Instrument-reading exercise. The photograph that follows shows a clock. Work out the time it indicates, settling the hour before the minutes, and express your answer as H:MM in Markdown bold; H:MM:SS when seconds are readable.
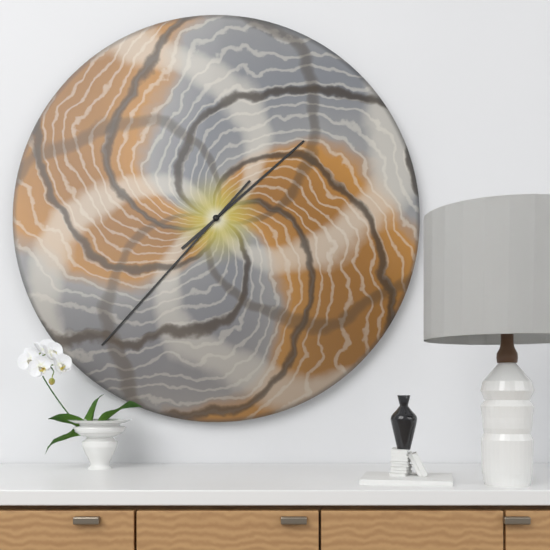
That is **1:37**
